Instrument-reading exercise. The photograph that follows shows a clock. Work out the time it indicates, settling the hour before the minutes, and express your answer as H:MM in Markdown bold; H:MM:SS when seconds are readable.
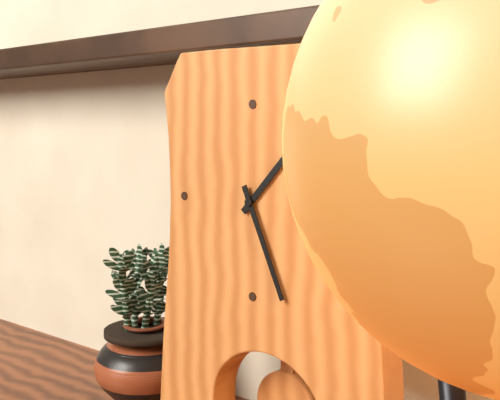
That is **1:26**
